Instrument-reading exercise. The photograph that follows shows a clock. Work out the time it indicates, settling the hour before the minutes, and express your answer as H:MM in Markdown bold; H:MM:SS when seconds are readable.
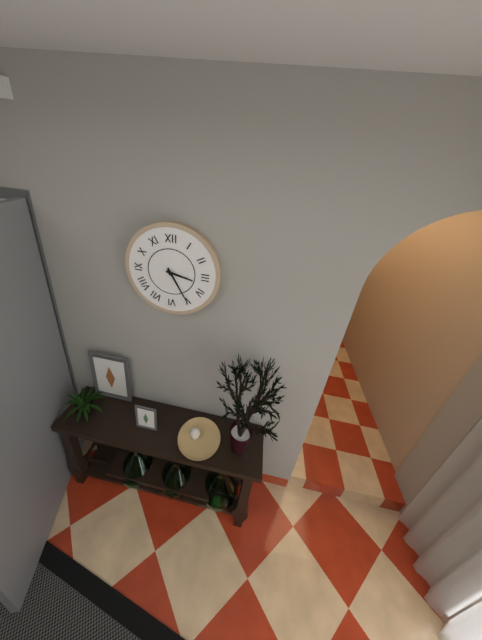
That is **3:25**
